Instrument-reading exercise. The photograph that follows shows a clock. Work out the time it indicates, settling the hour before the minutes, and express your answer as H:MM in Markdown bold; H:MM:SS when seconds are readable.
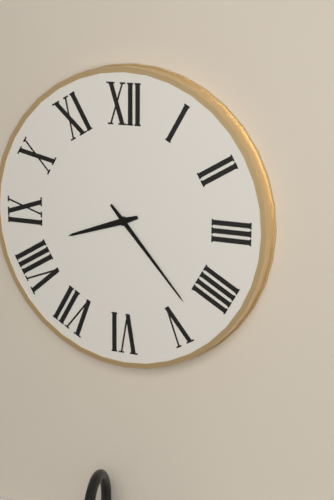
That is **8:23**
